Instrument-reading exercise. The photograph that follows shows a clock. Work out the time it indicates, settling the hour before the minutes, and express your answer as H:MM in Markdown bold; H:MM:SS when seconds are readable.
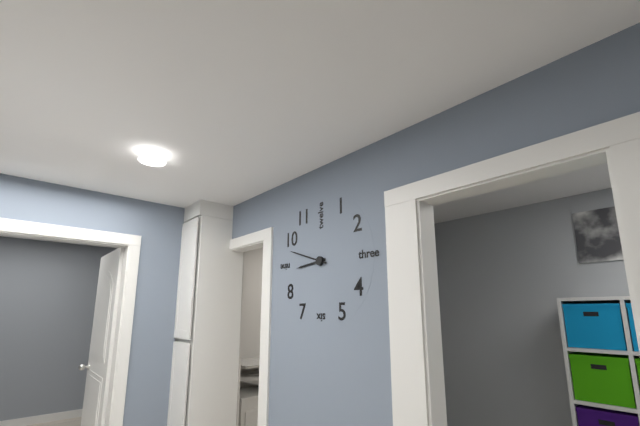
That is **8:48**
